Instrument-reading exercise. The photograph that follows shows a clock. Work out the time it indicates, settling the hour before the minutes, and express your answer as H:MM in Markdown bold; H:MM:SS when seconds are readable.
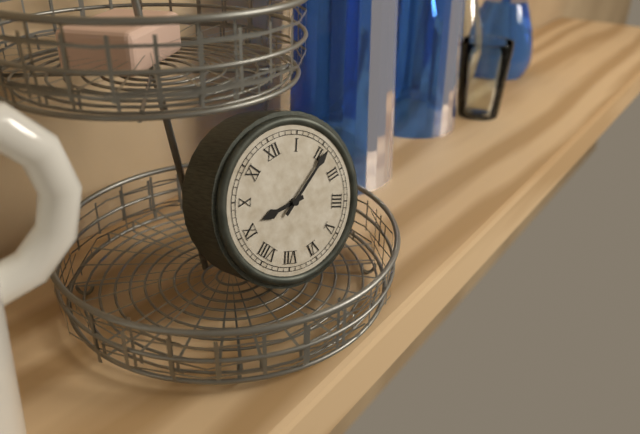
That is **9:11**
